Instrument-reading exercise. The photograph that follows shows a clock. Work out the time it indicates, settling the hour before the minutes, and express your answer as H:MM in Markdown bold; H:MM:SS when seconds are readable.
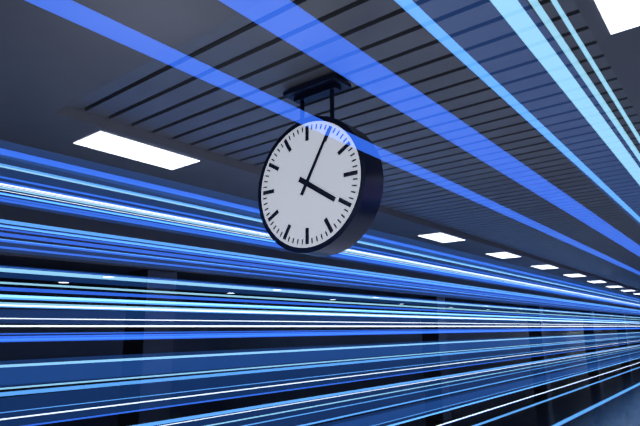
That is **4:05**
